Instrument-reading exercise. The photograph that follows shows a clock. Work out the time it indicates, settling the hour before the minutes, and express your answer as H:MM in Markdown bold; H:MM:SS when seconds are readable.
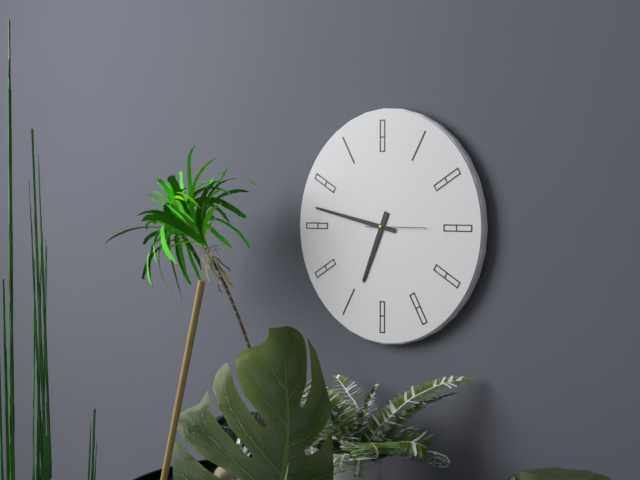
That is **6:47**
